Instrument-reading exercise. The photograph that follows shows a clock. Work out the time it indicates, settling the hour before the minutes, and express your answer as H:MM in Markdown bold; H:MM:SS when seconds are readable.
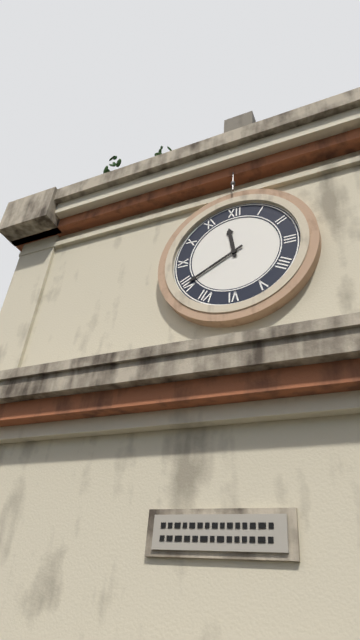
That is **11:40**
